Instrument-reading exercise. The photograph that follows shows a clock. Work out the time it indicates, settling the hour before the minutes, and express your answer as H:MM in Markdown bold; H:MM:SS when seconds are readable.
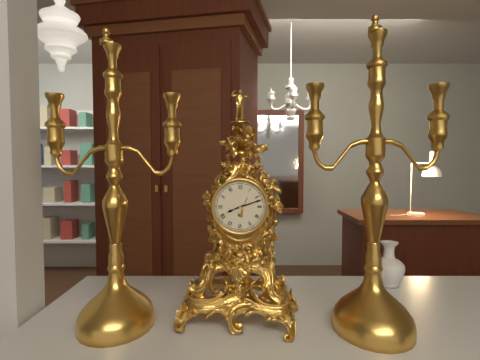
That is **8:12**
